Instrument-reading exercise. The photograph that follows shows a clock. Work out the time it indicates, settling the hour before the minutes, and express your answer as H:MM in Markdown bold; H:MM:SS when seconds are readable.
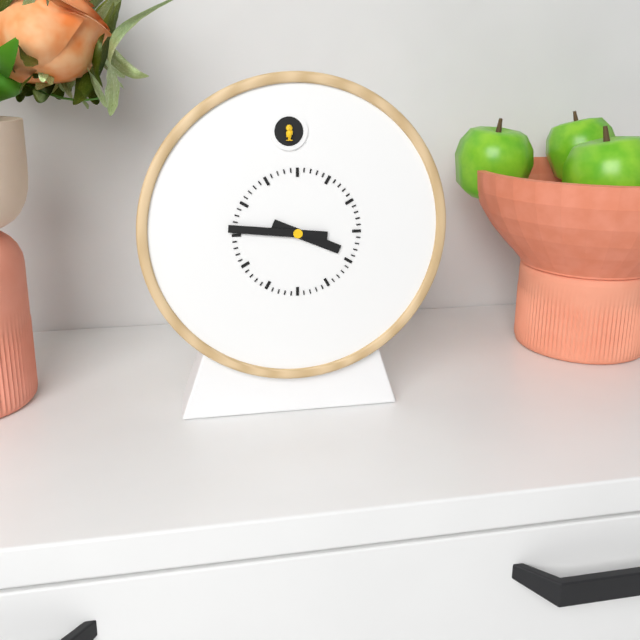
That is **3:46**
